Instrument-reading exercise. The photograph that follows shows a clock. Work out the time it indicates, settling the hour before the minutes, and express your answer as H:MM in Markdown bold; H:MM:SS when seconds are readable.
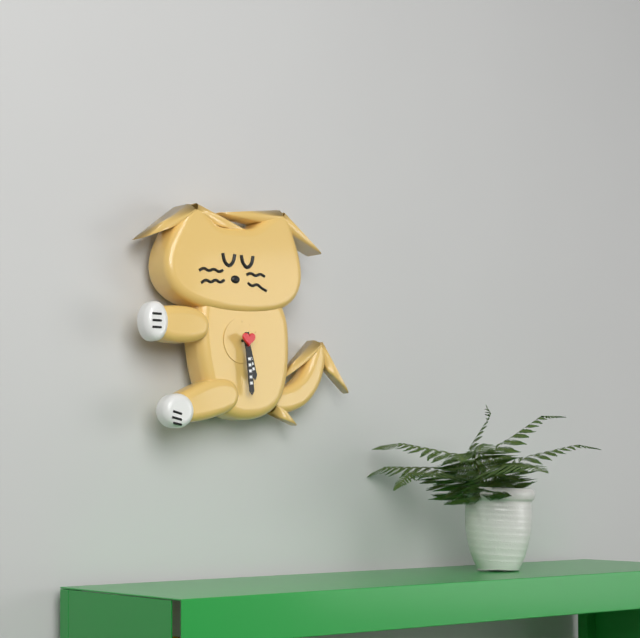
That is **5:29**
